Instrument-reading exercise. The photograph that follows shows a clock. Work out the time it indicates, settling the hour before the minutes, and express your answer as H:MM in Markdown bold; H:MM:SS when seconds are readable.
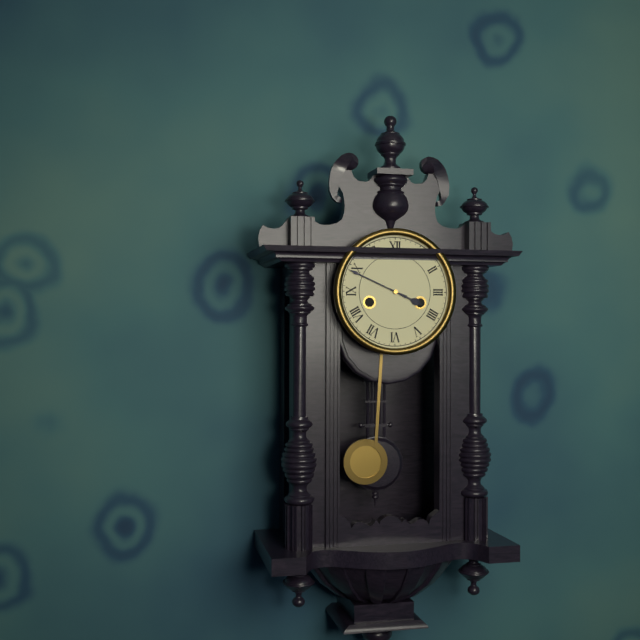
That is **3:49**
